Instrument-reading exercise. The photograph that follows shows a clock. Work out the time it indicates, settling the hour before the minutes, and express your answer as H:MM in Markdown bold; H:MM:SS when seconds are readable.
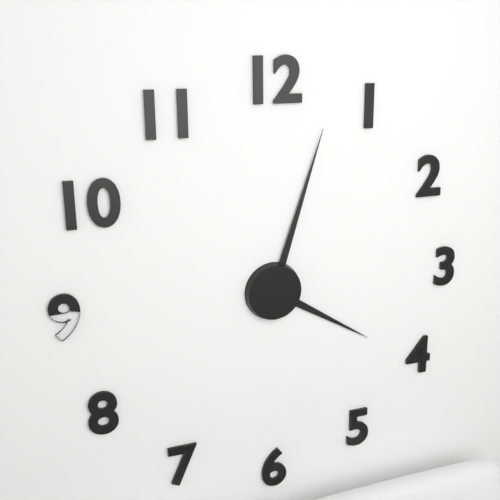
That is **4:03**
